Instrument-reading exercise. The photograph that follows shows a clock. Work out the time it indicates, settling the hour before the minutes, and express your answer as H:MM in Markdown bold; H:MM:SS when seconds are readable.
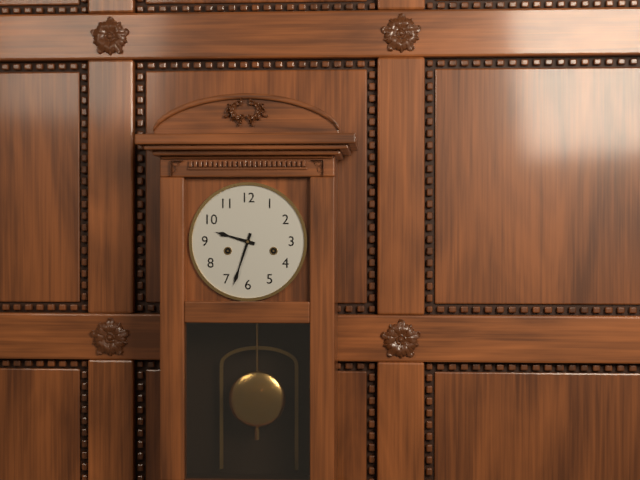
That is **9:33**
